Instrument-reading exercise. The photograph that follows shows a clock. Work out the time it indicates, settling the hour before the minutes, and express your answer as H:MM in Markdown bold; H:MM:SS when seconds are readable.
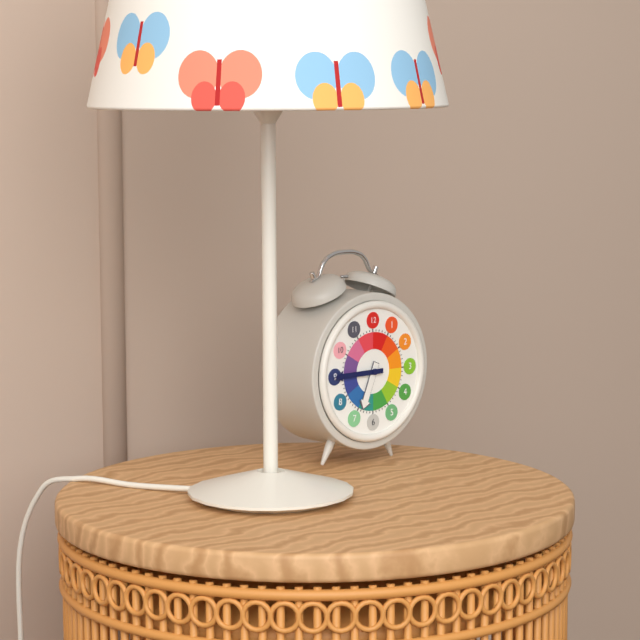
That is **6:45**
